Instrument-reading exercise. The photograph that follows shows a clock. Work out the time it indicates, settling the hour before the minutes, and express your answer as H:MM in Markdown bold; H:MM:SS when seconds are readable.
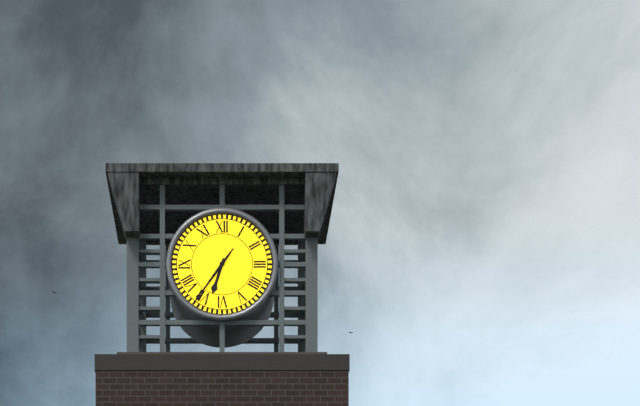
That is **6:36**
